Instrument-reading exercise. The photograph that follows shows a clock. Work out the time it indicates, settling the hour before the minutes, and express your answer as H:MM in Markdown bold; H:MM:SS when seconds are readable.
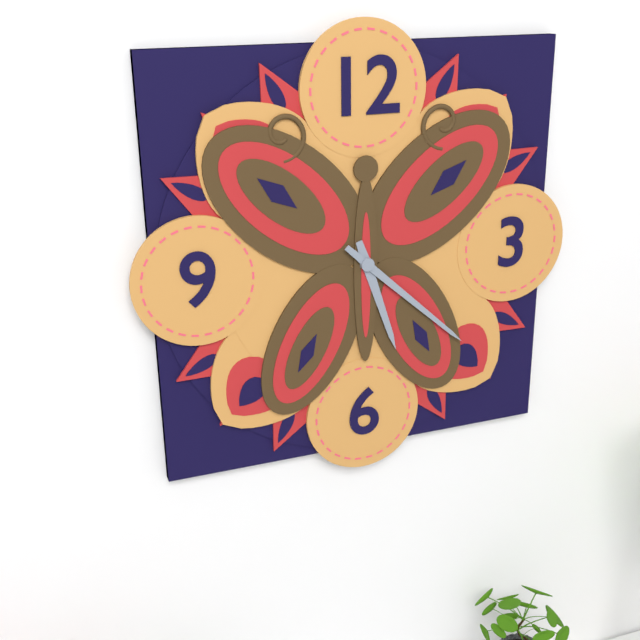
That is **5:22**
